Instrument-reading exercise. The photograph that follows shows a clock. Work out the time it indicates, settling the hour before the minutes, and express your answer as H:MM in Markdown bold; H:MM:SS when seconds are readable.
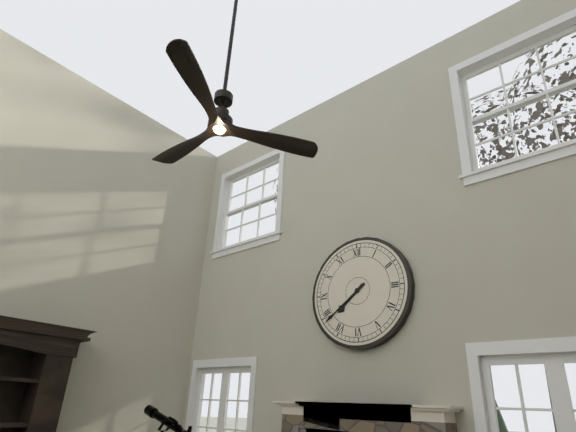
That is **7:39**
